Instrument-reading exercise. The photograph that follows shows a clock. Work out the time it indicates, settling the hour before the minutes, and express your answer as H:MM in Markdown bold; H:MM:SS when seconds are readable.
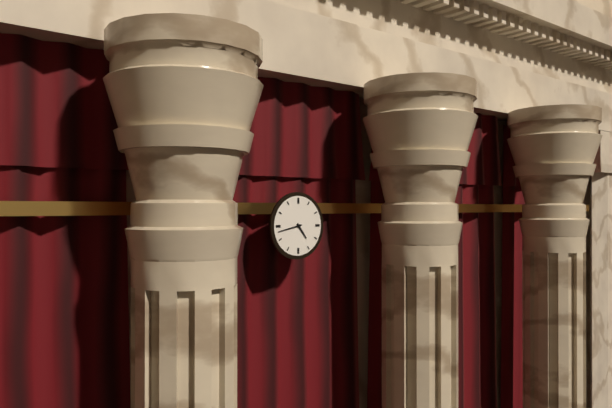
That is **4:43**
